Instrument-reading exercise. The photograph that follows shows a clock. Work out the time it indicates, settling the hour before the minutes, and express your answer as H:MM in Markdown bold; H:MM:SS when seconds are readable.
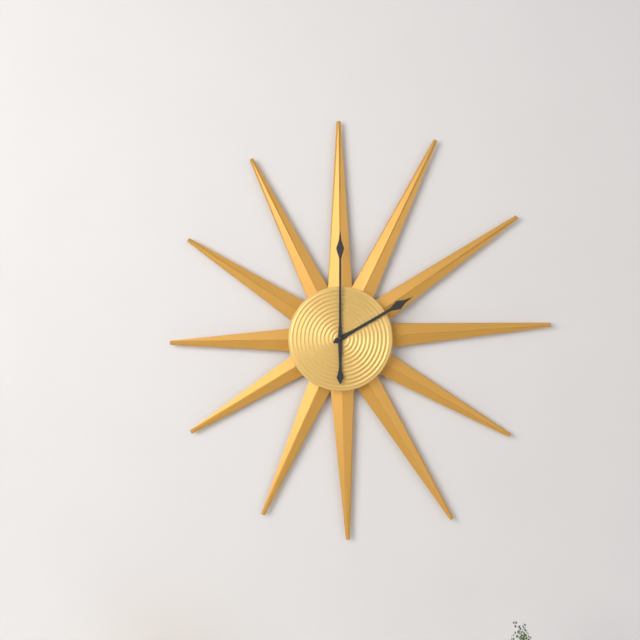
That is **2:00**
